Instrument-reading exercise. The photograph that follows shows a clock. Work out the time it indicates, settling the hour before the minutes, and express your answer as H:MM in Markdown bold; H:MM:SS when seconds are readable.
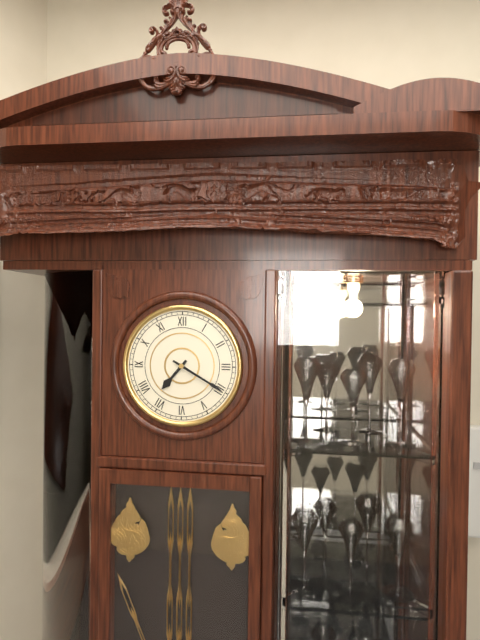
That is **7:20**
